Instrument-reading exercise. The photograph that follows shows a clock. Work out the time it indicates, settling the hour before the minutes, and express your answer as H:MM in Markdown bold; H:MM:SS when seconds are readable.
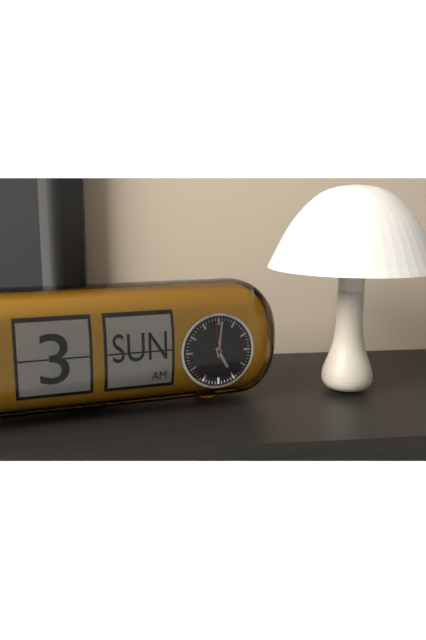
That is **5:01**
